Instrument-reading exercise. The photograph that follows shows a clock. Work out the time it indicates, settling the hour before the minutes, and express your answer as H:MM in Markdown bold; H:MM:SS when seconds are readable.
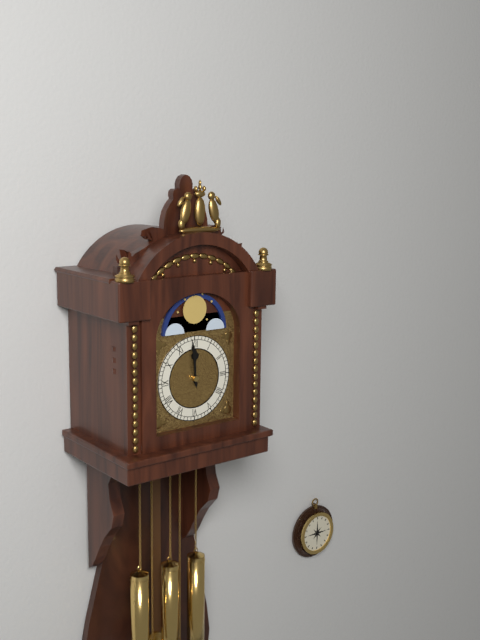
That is **11:59**
